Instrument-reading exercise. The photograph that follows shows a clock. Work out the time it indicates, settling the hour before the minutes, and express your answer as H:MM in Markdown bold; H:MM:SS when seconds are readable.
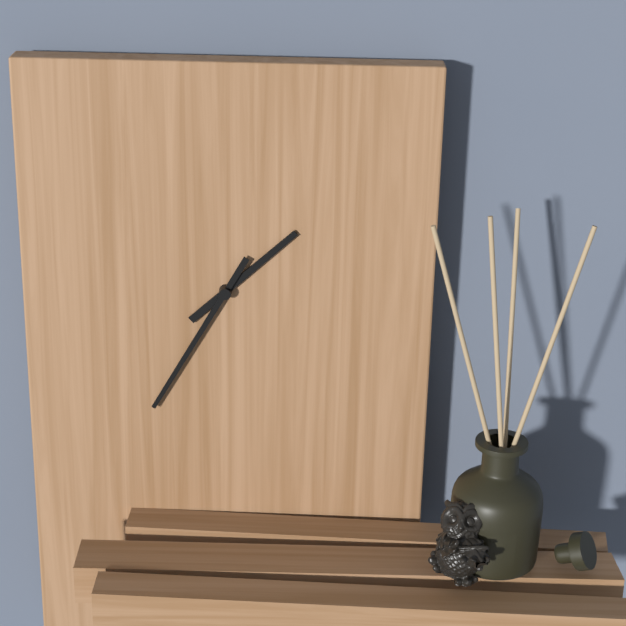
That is **1:35**
